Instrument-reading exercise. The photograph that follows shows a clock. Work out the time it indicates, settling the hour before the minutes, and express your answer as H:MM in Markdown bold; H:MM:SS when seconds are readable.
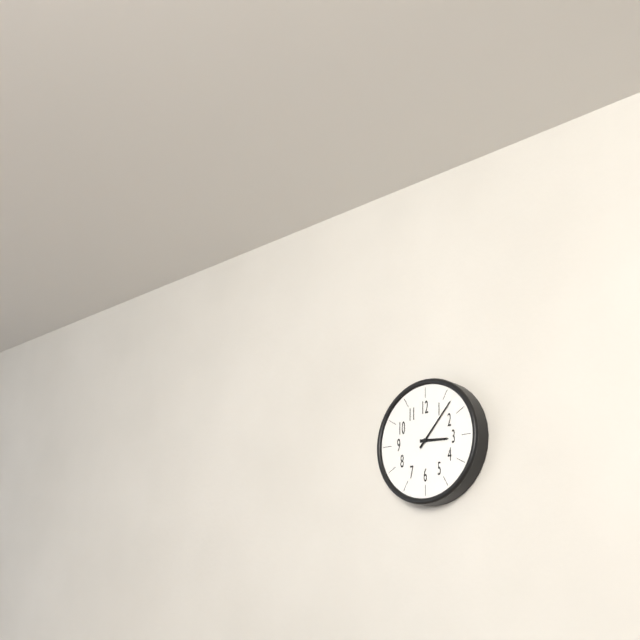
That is **3:07**
